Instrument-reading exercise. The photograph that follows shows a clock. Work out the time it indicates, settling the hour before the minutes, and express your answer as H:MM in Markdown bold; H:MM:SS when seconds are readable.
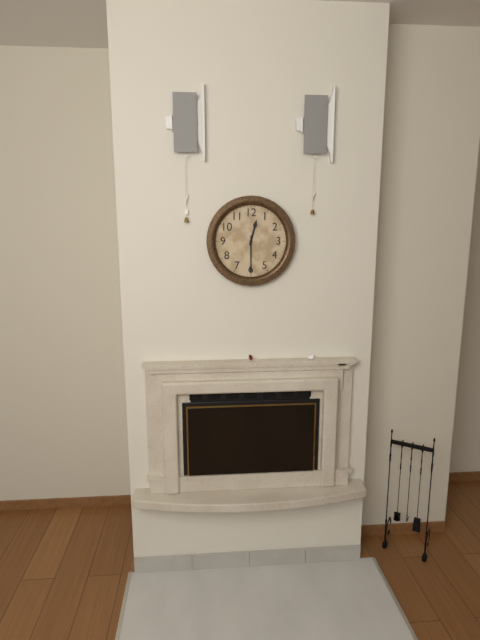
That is **12:30**
